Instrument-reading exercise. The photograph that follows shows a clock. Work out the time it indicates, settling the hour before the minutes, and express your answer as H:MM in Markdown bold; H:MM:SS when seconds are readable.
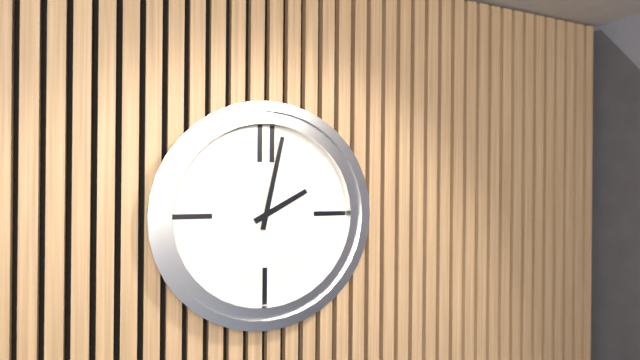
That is **2:02**
